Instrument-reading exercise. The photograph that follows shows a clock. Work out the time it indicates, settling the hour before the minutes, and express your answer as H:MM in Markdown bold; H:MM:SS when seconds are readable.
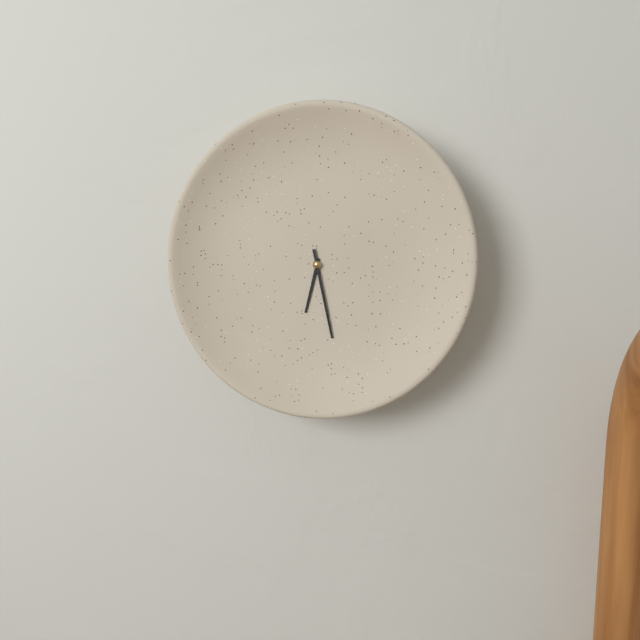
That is **6:28**
